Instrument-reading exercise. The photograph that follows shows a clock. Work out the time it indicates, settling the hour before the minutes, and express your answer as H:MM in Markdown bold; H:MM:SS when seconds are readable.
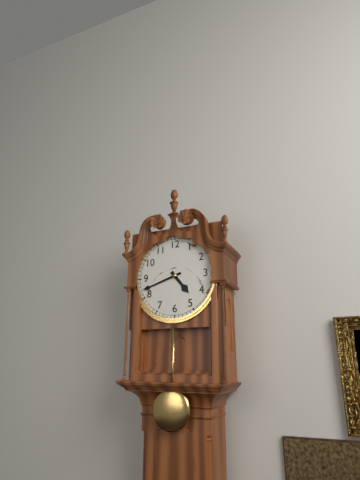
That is **4:42**
